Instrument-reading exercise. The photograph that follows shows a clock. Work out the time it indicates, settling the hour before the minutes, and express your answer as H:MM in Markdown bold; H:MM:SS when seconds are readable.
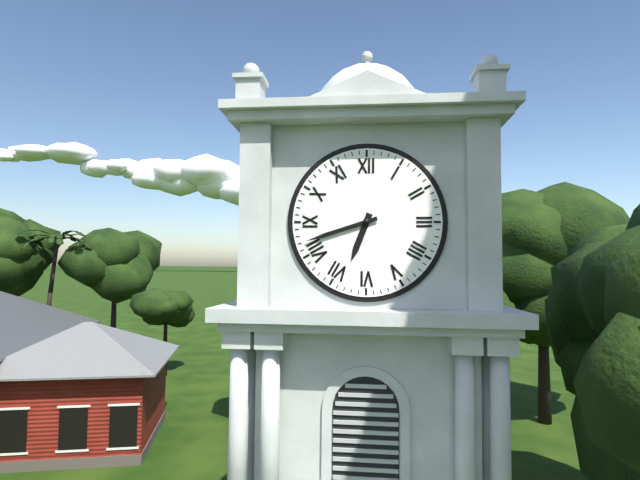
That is **6:42**
